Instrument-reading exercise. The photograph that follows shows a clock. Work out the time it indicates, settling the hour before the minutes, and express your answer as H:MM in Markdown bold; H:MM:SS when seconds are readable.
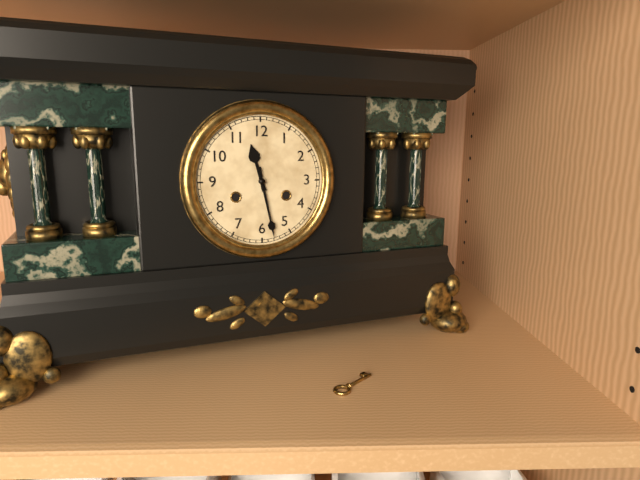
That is **11:28**
